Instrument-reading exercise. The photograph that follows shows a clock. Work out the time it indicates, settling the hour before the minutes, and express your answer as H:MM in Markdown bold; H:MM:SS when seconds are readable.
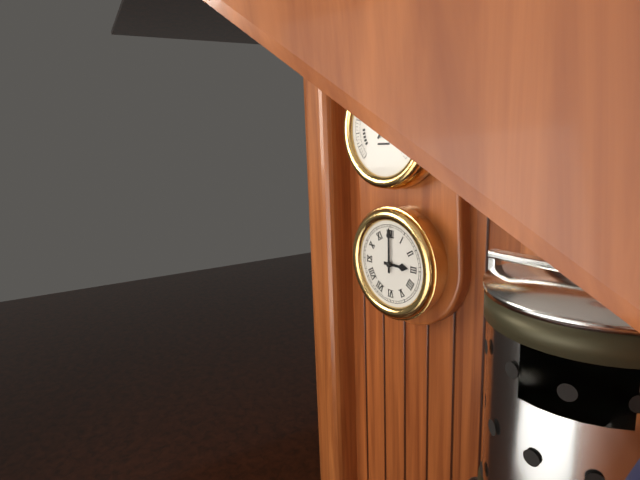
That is **3:00**
